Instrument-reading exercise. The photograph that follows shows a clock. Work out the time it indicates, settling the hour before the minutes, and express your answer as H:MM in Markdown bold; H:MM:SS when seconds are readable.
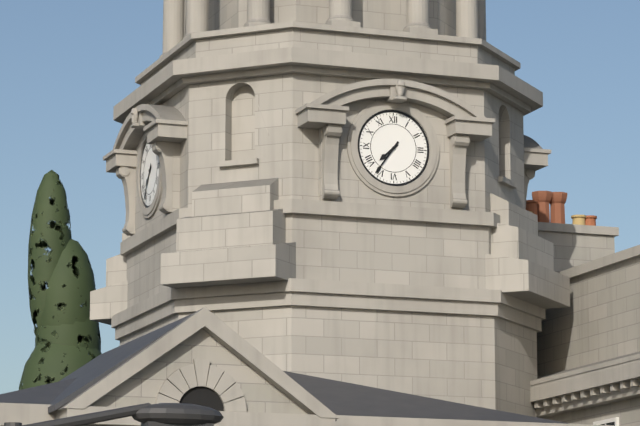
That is **7:36**
